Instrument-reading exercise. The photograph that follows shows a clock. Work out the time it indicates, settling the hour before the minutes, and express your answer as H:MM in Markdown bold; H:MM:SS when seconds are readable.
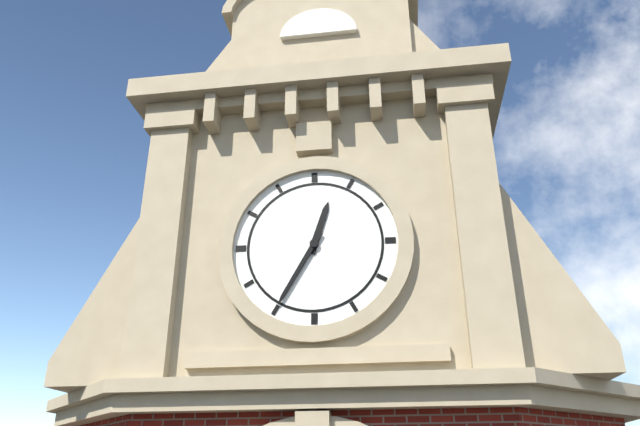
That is **12:35**
